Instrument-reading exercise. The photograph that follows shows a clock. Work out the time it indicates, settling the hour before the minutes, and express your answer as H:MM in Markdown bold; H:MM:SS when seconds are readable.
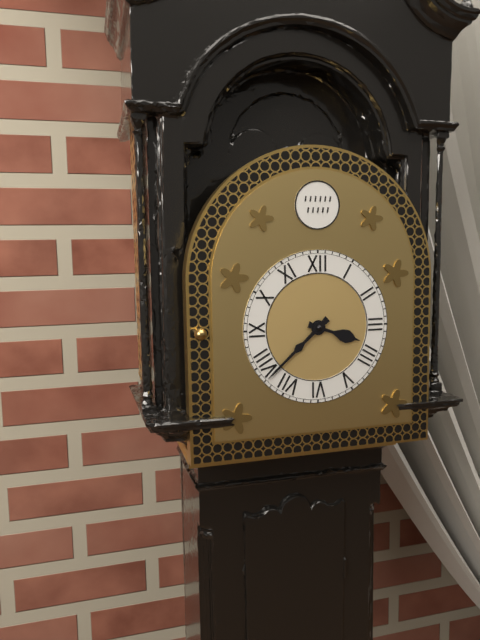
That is **3:38**
